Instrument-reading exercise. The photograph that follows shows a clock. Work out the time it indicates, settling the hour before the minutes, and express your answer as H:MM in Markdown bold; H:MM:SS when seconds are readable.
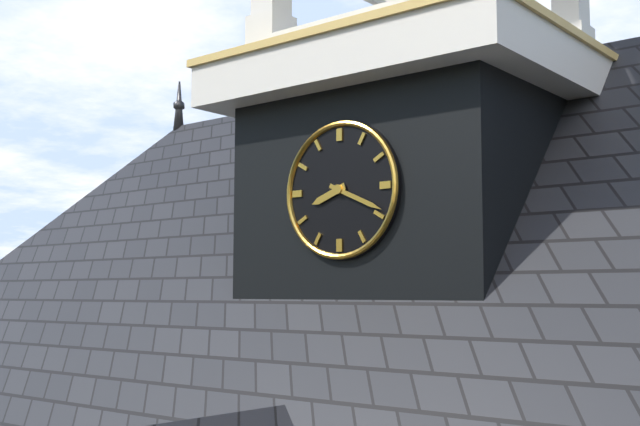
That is **8:19**
